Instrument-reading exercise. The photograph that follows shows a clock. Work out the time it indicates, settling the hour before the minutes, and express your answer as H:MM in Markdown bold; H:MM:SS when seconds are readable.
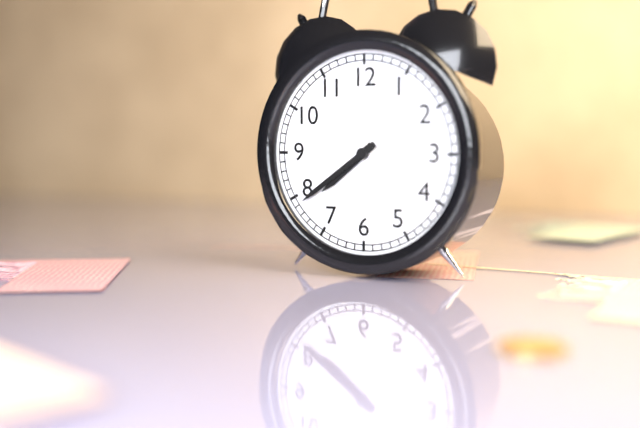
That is **7:39**
